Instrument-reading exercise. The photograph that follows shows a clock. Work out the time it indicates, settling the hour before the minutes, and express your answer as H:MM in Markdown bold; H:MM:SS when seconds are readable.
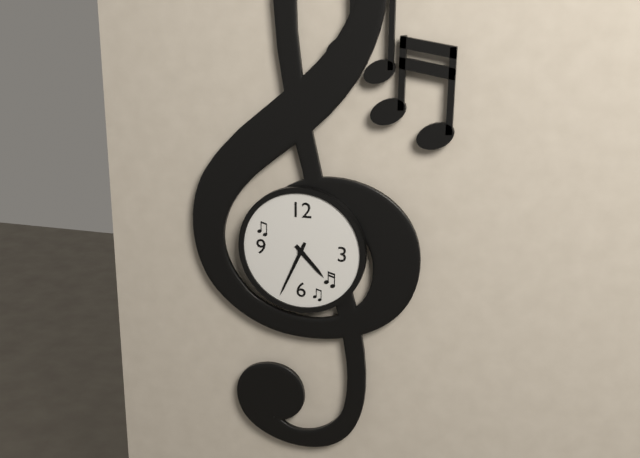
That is **4:34**
